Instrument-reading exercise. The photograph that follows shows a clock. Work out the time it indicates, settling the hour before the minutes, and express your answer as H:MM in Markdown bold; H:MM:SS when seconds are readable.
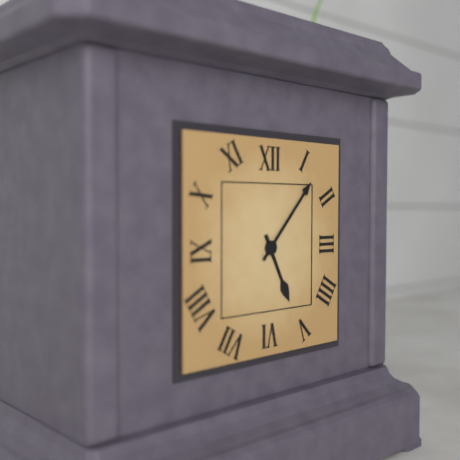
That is **5:07**
